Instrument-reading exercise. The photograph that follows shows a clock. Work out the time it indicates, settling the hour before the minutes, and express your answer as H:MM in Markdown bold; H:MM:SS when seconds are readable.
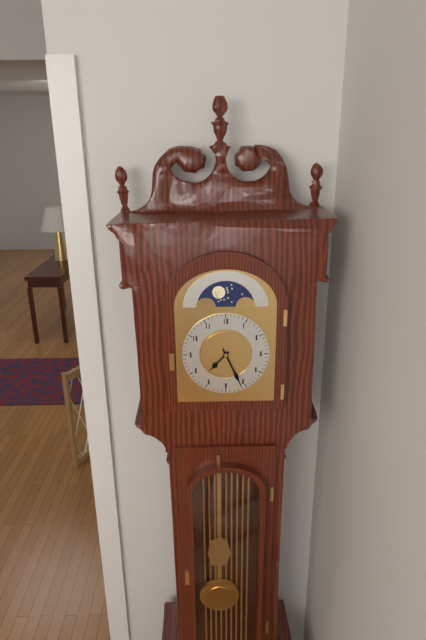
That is **7:26**
